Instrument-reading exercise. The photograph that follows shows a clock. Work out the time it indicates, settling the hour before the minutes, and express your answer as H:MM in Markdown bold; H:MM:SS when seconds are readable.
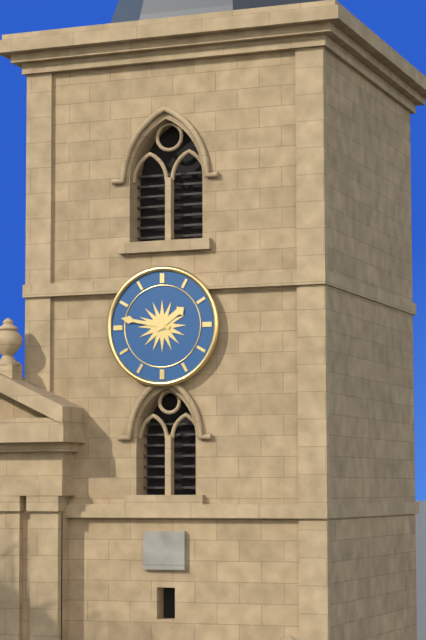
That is **1:47**
